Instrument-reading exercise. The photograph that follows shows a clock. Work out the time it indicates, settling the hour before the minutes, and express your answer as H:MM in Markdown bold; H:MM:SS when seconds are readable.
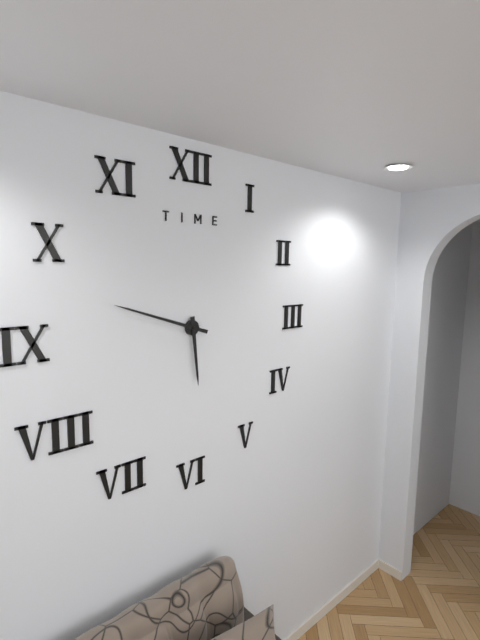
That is **5:48**
